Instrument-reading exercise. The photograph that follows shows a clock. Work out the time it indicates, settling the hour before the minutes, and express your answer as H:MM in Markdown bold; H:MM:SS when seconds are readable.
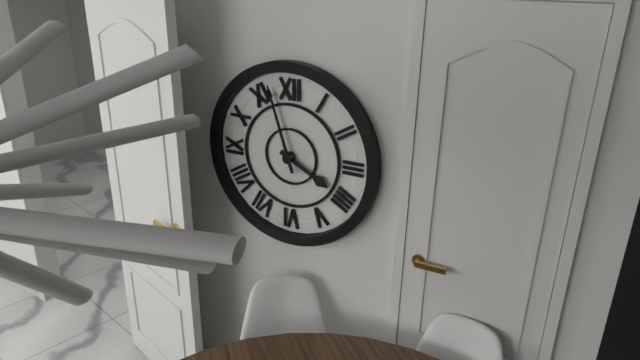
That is **3:57**
